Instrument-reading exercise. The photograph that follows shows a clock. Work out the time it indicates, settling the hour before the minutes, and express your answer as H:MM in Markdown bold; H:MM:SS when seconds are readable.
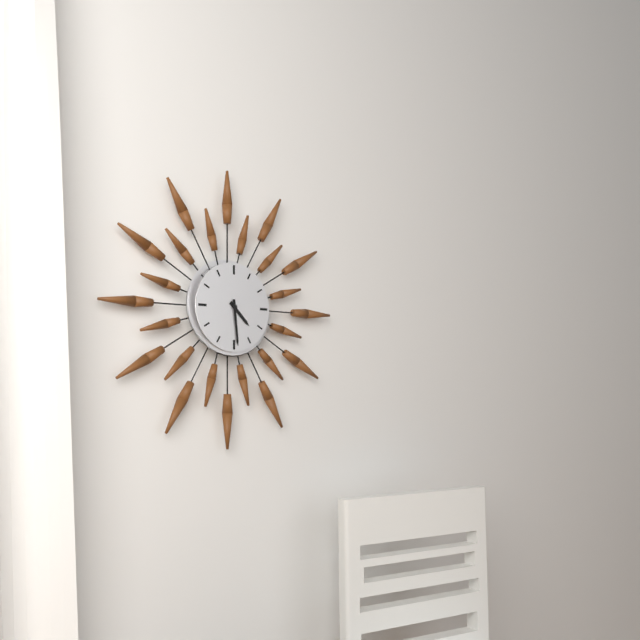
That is **4:29**
